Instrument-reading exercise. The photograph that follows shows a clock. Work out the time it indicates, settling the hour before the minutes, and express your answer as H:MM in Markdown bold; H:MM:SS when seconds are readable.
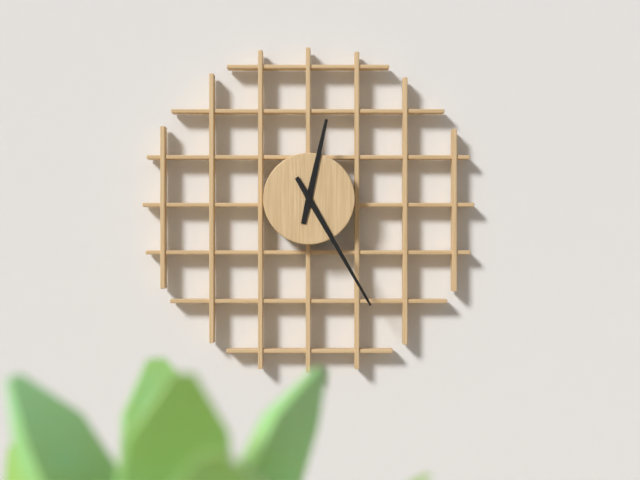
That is **12:25**
